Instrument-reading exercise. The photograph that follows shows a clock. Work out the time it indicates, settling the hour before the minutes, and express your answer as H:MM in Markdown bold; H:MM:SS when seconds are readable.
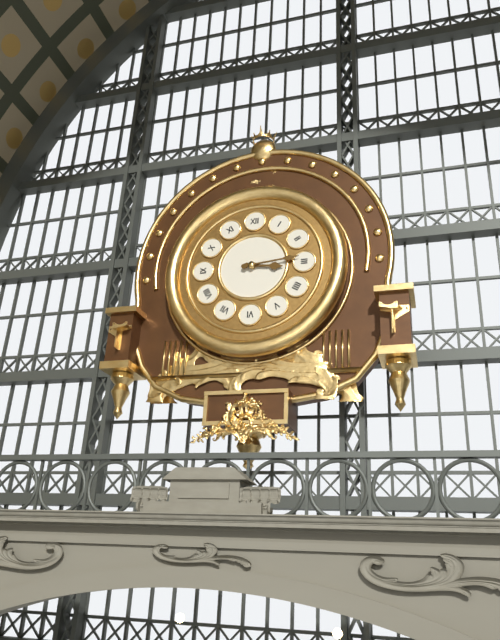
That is **3:14**
